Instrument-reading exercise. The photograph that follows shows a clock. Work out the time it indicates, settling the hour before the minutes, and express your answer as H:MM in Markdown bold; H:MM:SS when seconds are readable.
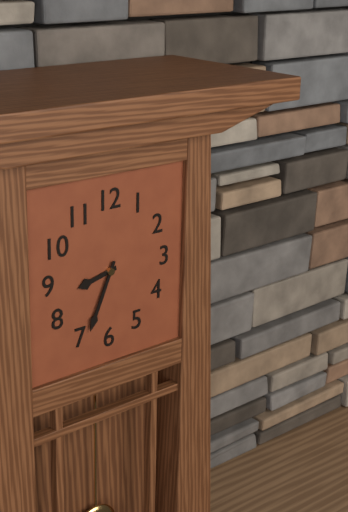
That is **8:34**
